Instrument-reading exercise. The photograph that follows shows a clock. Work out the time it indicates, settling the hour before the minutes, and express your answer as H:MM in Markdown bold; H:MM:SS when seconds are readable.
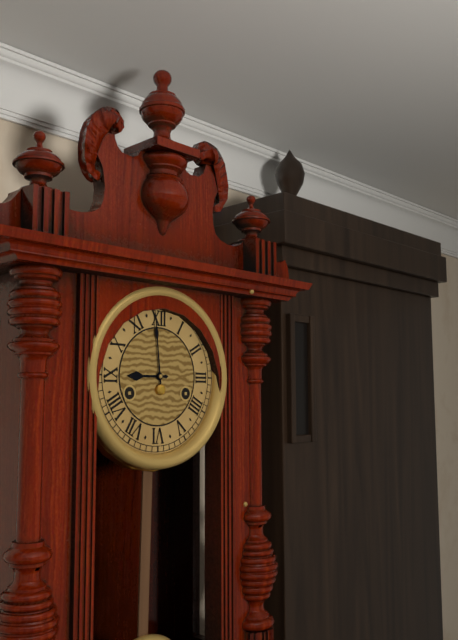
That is **8:59**
